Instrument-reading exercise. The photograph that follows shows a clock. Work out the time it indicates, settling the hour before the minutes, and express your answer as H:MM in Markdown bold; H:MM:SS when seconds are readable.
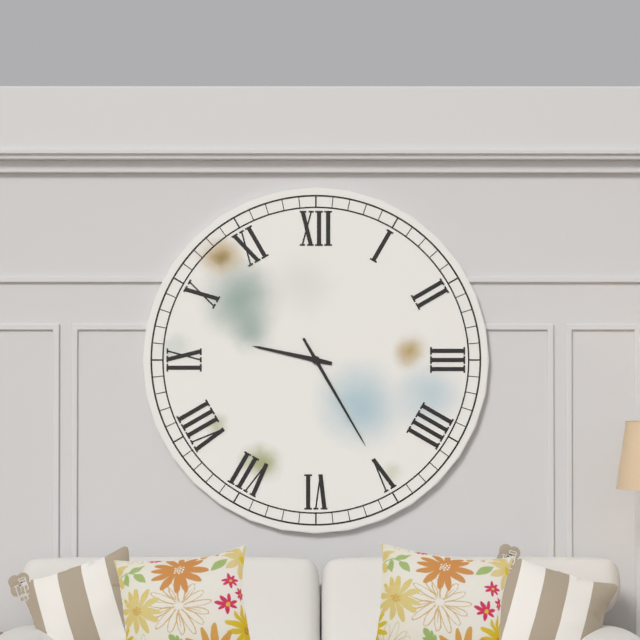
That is **9:25**
